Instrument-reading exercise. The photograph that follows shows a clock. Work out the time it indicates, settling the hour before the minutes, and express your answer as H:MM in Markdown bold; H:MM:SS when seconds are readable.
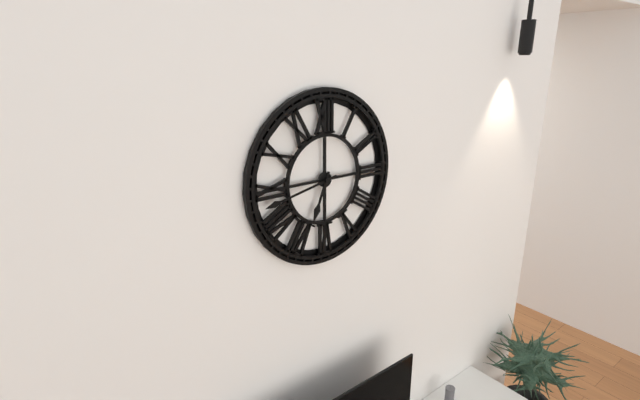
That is **6:43**
